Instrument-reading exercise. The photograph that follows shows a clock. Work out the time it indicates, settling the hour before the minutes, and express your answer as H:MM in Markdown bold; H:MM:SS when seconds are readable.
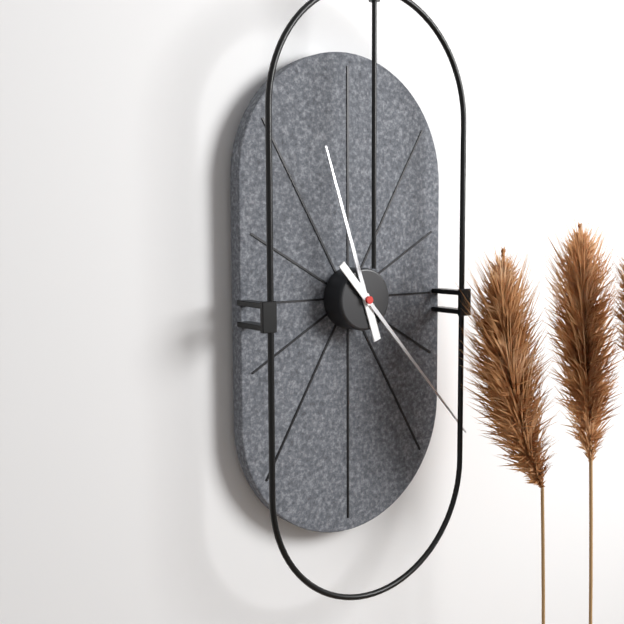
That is **11:23**
